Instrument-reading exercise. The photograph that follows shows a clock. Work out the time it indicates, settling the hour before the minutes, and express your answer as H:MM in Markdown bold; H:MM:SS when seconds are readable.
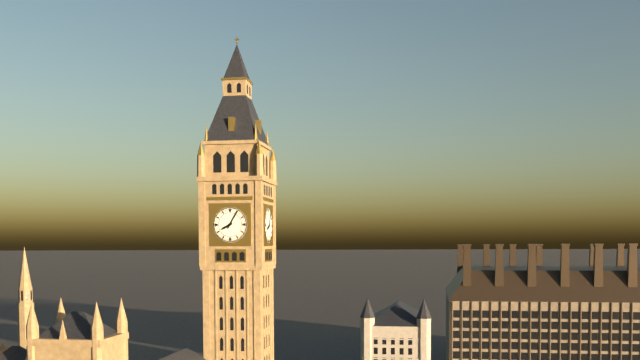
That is **8:05**
